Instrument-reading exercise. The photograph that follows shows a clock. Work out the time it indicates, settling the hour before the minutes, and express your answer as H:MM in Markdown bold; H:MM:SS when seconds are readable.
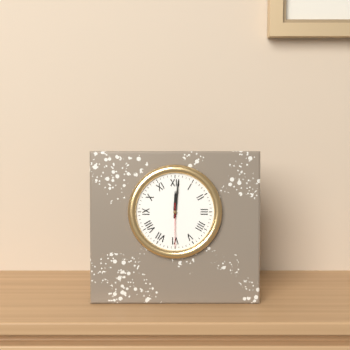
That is **12:01**
